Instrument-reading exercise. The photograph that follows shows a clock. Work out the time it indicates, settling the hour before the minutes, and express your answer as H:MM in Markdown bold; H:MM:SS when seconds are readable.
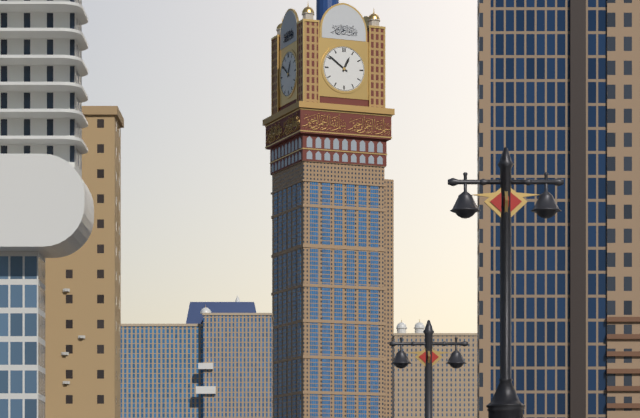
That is **12:51**
